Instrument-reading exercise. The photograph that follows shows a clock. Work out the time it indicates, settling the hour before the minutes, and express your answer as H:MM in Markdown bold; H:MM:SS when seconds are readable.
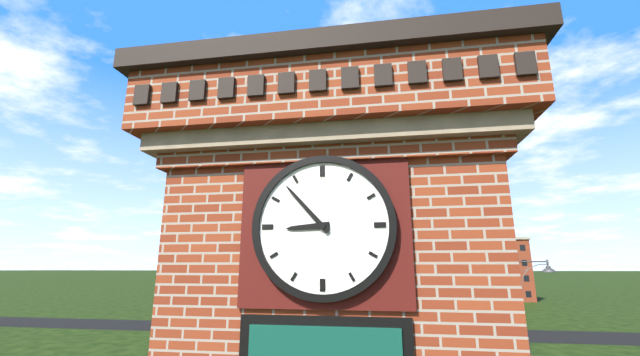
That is **8:53**
